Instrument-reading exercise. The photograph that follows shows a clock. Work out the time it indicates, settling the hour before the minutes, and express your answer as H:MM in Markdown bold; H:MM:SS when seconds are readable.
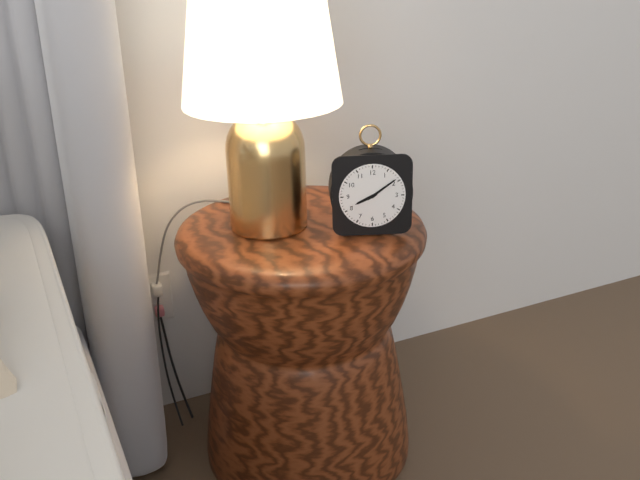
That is **8:09**
